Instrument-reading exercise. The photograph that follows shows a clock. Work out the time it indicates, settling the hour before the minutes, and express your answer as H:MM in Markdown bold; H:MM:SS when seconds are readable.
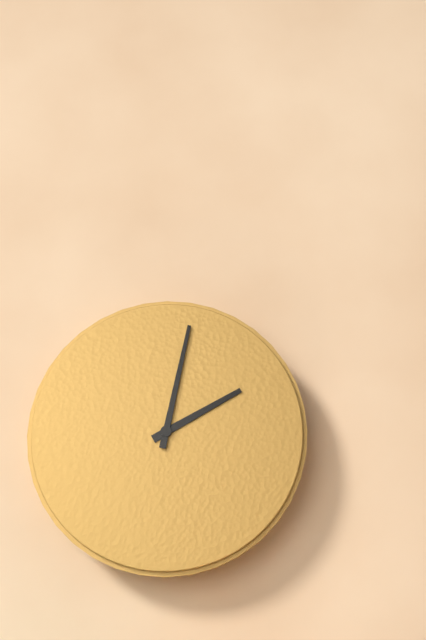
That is **2:02**
